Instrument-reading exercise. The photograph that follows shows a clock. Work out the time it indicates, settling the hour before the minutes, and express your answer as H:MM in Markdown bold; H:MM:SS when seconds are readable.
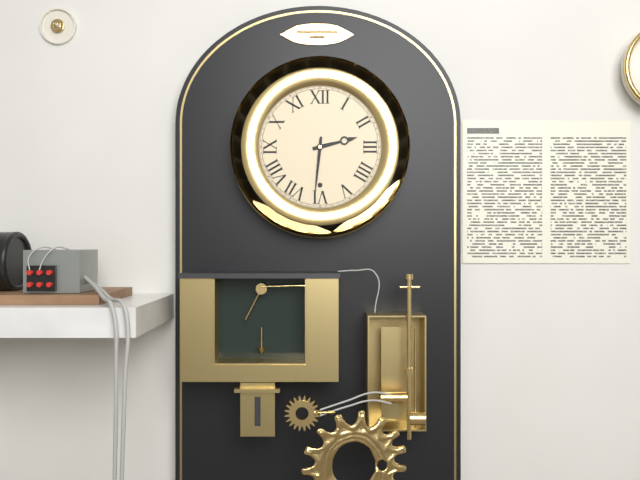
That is **2:31**
